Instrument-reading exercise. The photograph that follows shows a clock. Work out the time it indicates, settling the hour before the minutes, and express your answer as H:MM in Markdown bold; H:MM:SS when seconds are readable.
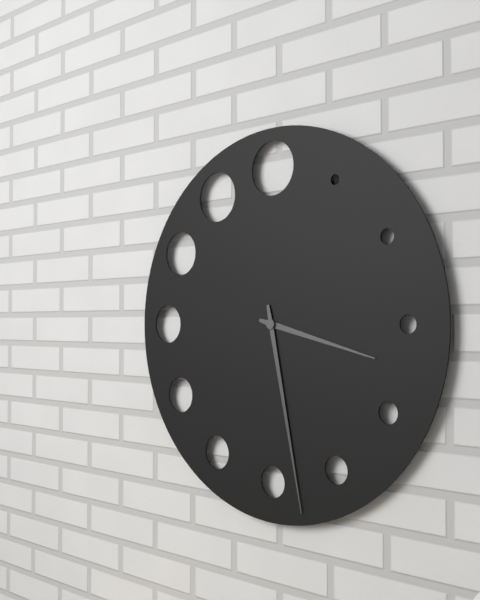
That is **3:28**
